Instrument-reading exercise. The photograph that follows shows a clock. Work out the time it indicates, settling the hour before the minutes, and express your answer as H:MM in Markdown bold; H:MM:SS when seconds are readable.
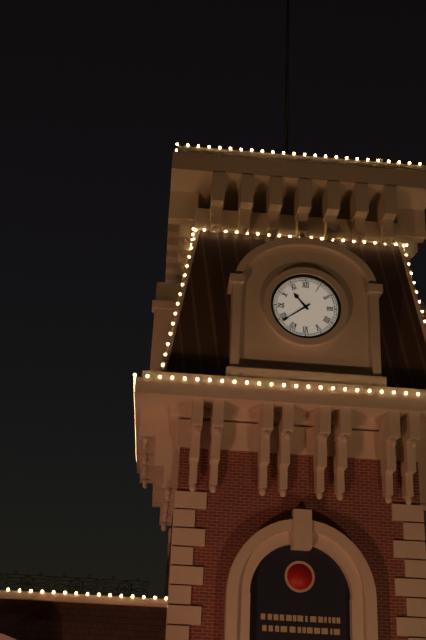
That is **10:39**
